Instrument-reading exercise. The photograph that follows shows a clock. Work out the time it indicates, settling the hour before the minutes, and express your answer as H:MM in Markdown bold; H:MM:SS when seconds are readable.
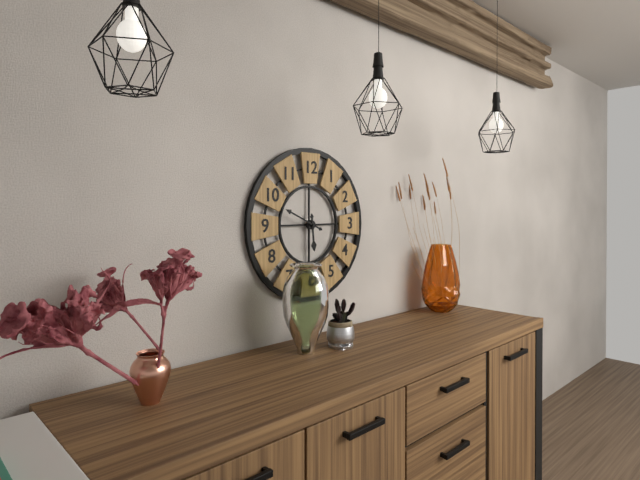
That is **5:49**
